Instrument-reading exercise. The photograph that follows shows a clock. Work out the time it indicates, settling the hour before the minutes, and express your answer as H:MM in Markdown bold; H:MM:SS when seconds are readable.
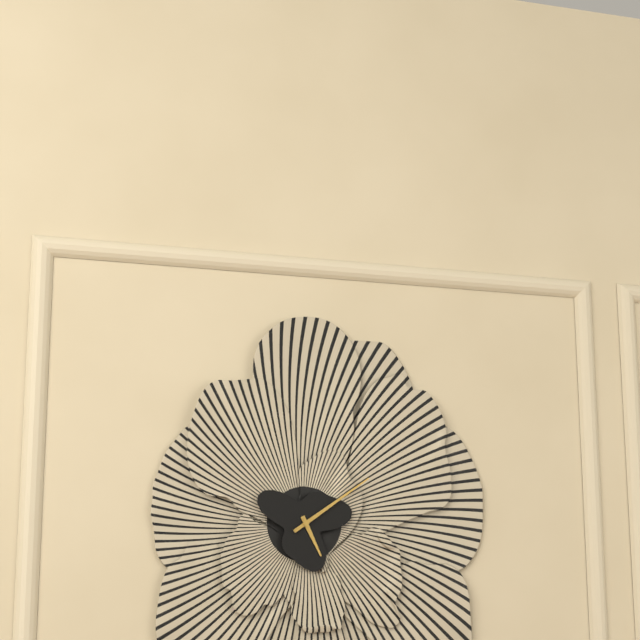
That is **5:09**
